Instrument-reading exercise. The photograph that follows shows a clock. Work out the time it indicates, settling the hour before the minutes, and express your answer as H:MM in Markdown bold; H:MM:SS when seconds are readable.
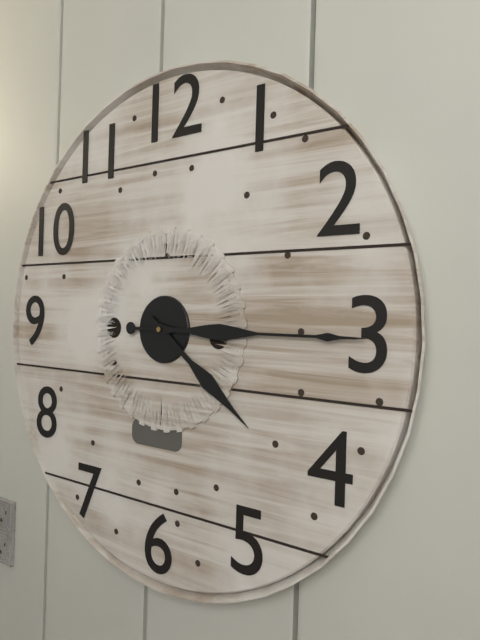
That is **4:15**
